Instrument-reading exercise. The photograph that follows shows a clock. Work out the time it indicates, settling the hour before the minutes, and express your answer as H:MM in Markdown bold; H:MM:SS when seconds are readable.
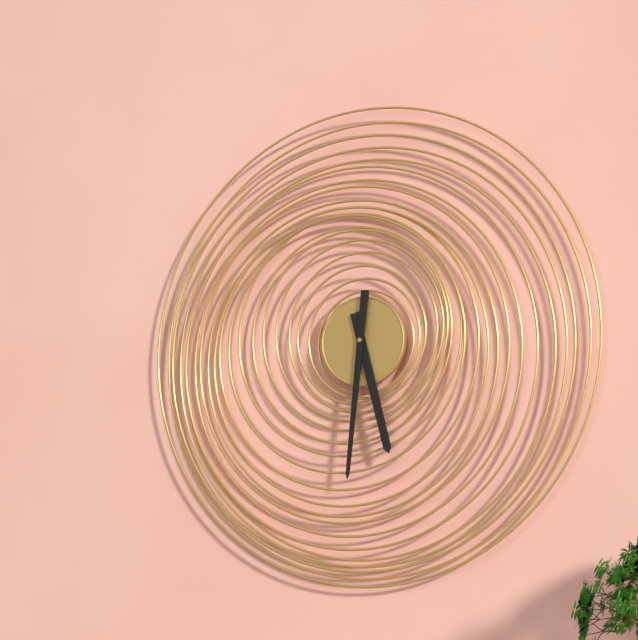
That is **5:31**
